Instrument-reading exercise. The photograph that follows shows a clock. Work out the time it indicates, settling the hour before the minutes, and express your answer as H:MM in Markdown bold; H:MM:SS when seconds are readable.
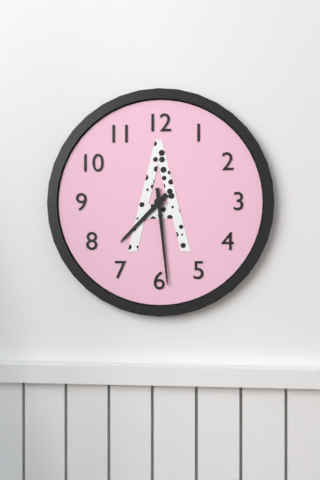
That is **7:29**
